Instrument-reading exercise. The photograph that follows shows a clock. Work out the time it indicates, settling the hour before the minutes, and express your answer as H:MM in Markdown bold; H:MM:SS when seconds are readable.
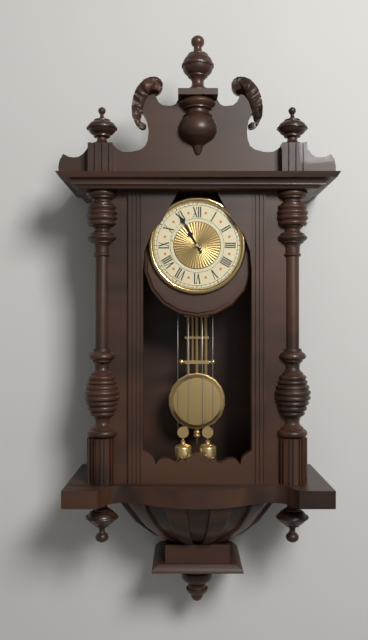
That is **10:55**
